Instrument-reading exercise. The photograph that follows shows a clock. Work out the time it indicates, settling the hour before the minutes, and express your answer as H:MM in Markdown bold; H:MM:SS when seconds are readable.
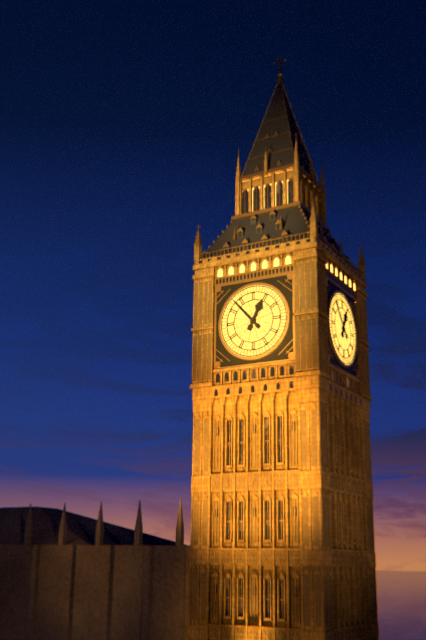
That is **12:53**
